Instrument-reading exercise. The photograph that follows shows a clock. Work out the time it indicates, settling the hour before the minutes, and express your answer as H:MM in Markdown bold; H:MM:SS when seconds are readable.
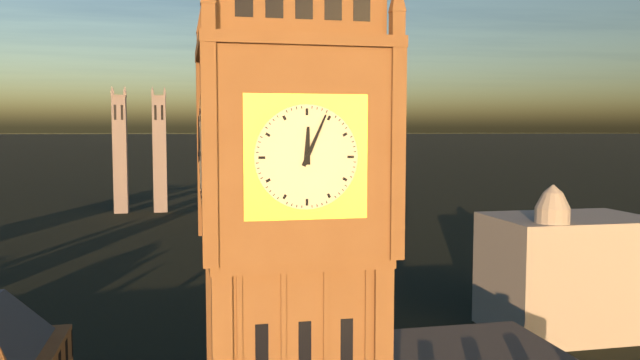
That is **12:04**
